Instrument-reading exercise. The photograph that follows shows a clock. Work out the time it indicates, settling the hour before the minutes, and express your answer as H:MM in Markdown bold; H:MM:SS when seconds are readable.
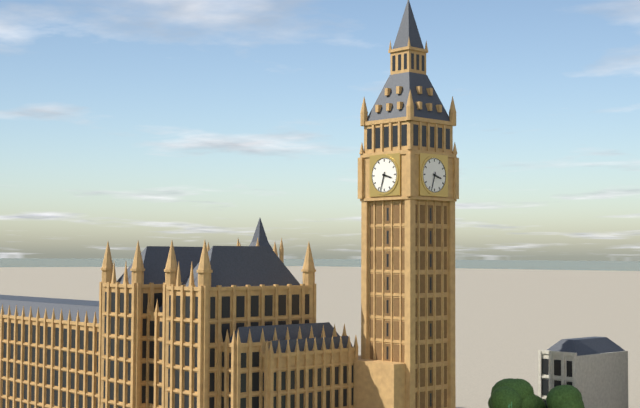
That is **3:33**
